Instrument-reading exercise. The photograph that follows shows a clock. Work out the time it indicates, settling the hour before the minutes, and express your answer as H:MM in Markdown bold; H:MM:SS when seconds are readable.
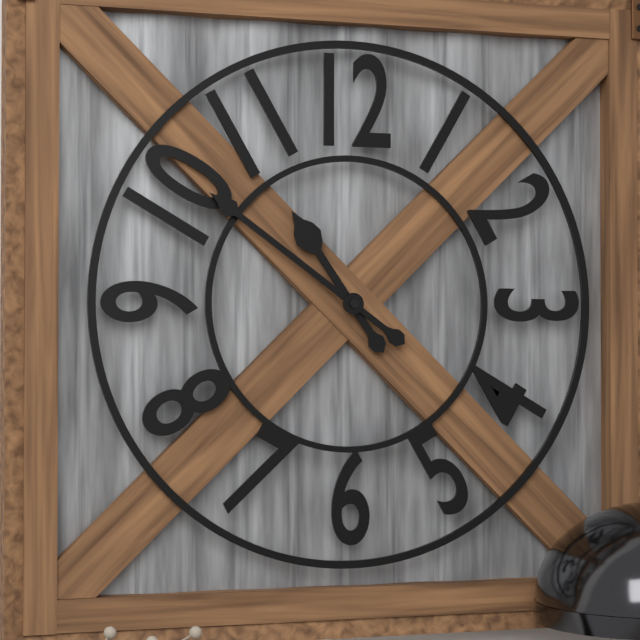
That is **10:51**
